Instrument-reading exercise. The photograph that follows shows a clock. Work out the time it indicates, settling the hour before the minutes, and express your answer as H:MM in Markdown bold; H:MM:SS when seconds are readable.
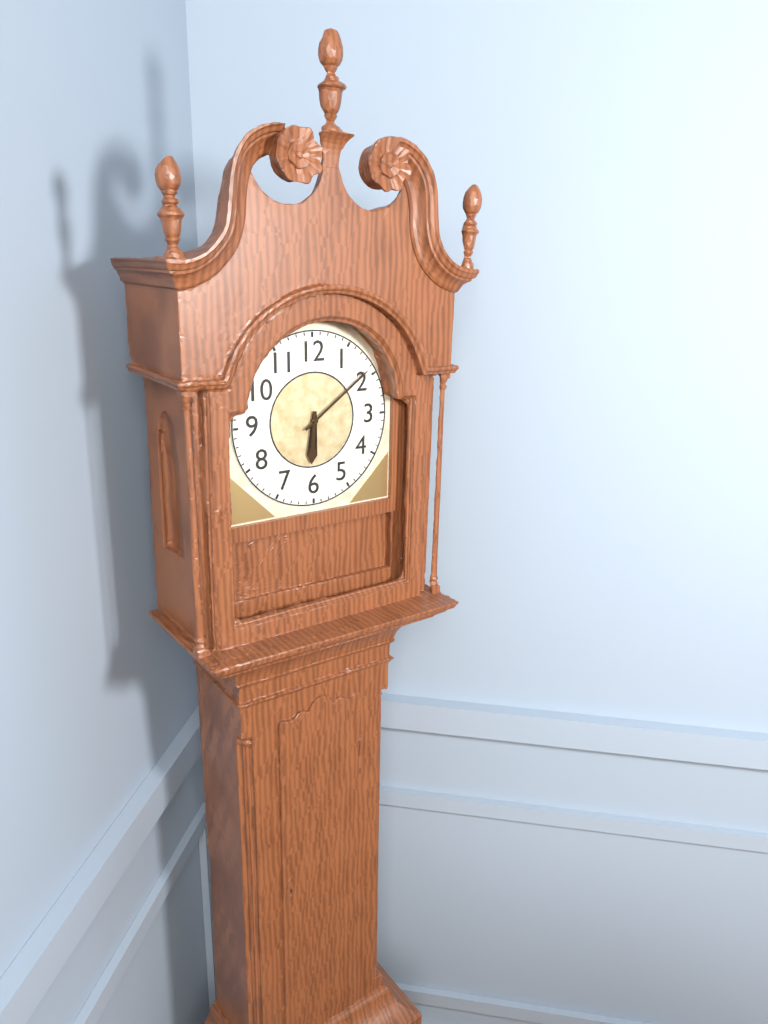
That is **6:09**
